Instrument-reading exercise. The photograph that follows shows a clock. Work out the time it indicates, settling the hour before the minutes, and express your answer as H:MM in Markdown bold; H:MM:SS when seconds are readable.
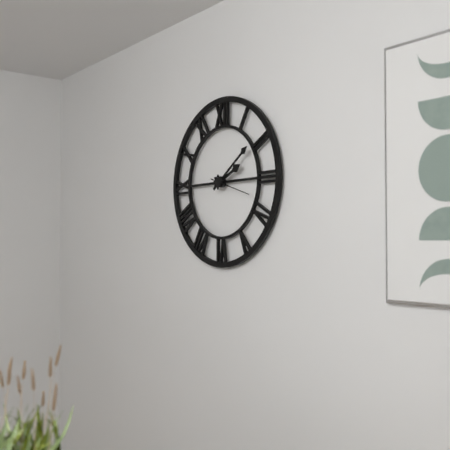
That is **2:09**
